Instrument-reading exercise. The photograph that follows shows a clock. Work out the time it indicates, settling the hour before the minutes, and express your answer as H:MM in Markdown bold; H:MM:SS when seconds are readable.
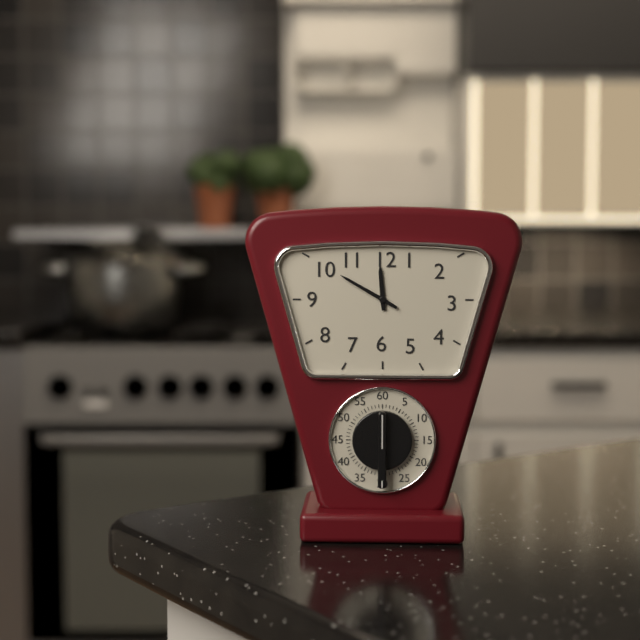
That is **11:50**
